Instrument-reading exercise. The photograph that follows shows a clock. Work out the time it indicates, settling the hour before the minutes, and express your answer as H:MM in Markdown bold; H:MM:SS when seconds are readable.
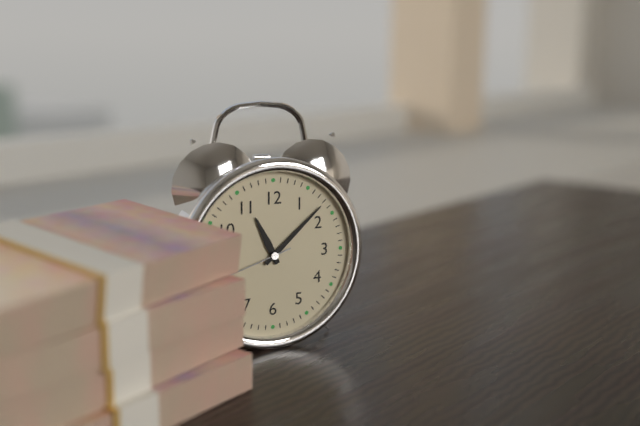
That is **11:08**
